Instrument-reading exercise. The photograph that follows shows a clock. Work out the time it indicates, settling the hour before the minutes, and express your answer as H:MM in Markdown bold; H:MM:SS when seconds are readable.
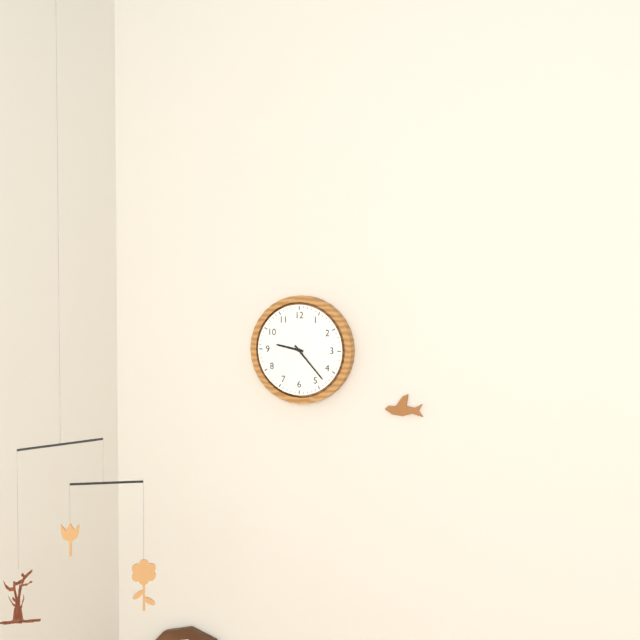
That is **9:23**
